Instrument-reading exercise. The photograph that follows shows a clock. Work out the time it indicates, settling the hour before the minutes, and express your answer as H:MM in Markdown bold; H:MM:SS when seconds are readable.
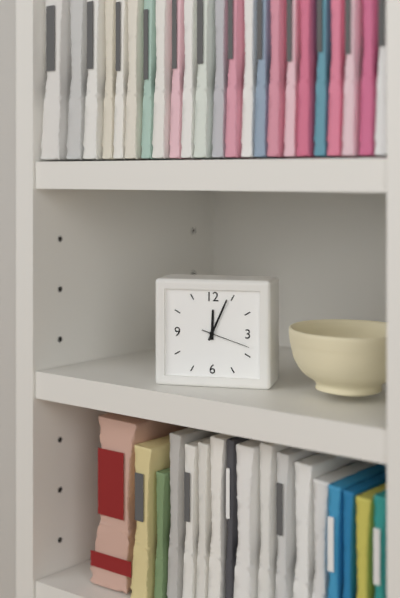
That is **12:04**
